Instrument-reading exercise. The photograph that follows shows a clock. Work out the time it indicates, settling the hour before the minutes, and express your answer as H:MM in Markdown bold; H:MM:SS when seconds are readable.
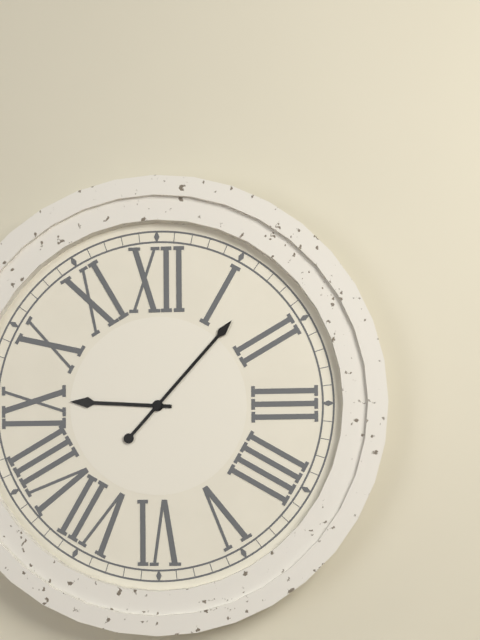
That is **9:07**
